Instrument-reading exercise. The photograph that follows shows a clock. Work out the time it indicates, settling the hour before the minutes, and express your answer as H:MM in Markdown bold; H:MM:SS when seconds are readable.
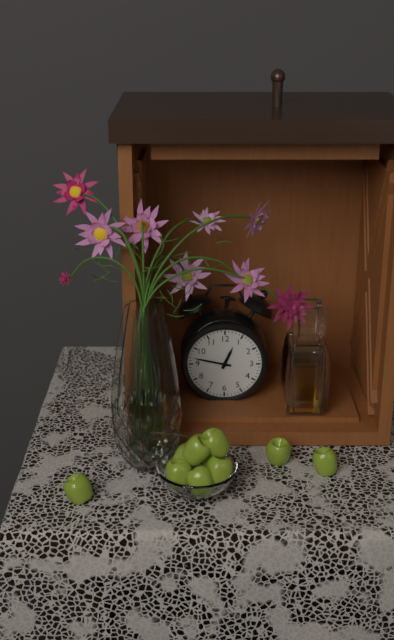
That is **12:47**
